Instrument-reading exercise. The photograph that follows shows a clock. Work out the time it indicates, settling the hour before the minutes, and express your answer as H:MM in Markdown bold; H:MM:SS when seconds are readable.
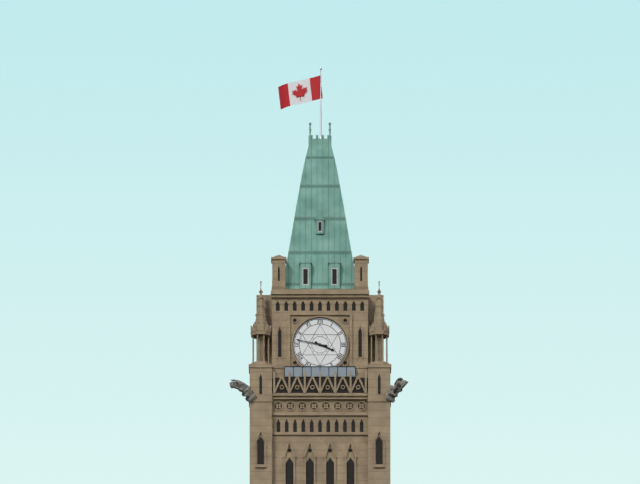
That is **3:47**
